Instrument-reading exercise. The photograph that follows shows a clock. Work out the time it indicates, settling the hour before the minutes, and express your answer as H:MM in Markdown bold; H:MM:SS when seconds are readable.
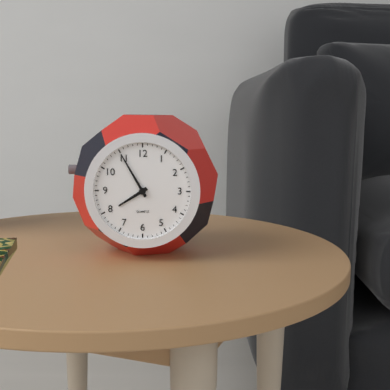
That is **7:55**
